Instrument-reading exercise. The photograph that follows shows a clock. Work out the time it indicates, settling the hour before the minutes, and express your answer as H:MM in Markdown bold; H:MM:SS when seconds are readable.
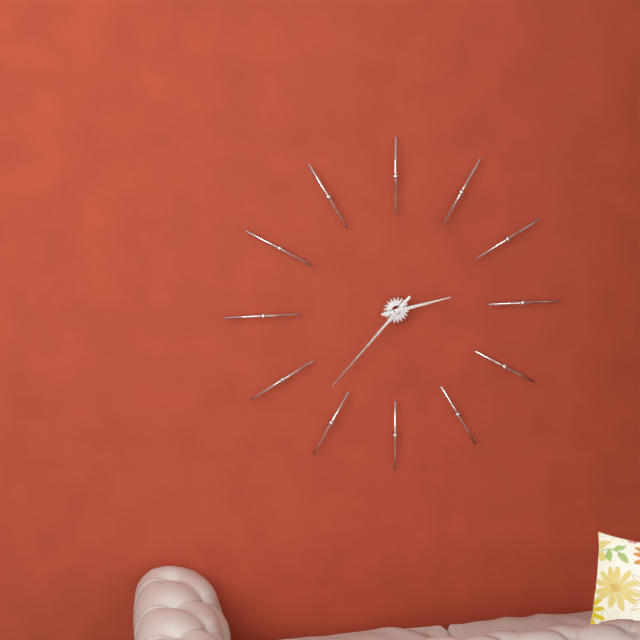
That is **2:37**
